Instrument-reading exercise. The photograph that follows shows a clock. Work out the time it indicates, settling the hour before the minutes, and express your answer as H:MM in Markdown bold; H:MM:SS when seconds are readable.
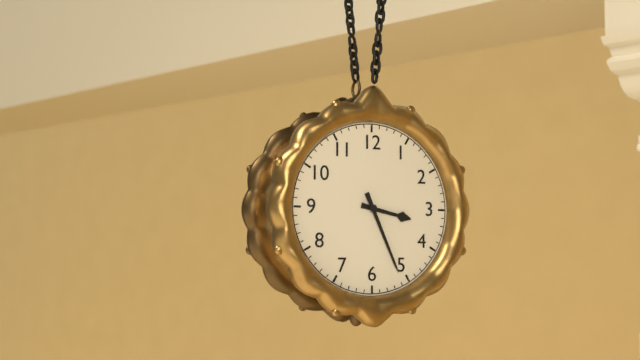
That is **3:26**
